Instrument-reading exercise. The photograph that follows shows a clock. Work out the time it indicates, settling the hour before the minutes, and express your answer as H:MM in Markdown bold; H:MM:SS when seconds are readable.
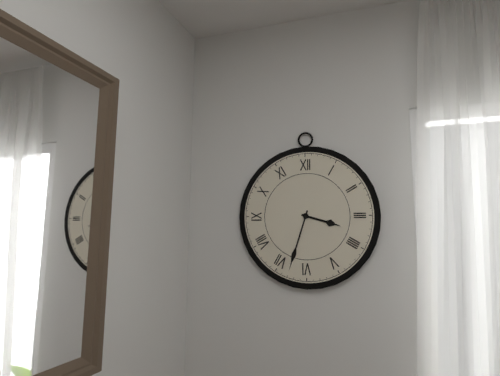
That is **3:33**
